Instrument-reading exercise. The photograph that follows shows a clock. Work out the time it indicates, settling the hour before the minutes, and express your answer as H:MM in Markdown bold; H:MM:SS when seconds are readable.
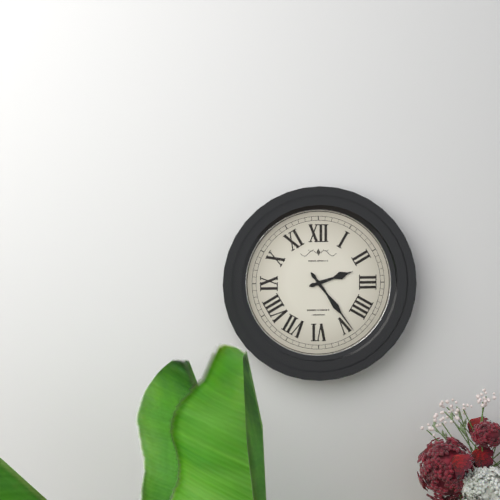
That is **2:24**
